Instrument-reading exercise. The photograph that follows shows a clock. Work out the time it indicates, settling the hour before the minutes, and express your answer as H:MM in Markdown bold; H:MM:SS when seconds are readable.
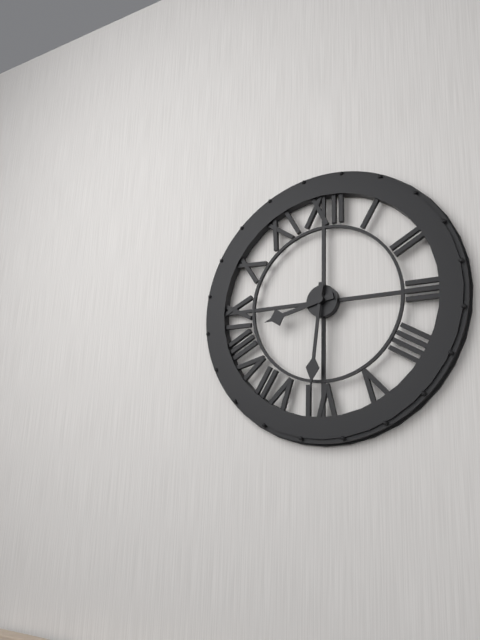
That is **8:31**
